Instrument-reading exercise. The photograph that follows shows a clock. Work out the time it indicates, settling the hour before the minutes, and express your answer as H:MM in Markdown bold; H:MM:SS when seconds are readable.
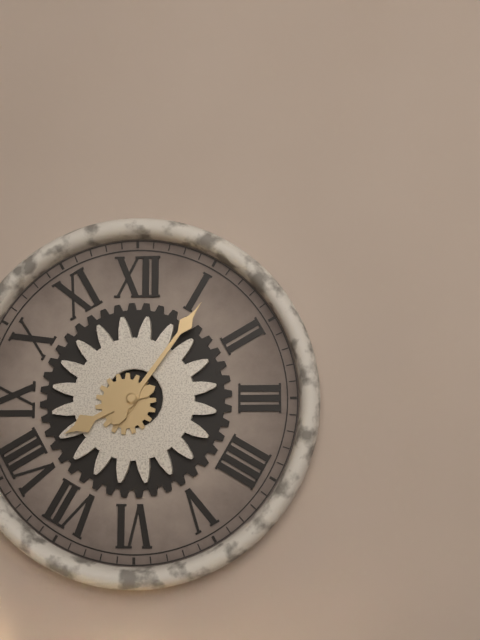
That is **8:06**
